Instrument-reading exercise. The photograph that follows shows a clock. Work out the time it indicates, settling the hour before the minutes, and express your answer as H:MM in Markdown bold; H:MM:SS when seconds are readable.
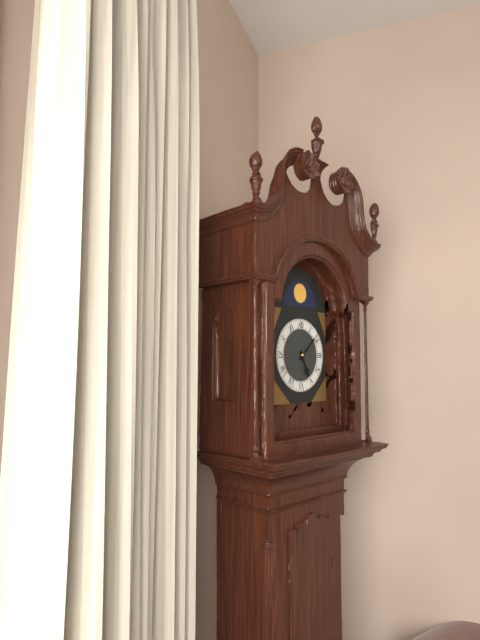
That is **5:08**
